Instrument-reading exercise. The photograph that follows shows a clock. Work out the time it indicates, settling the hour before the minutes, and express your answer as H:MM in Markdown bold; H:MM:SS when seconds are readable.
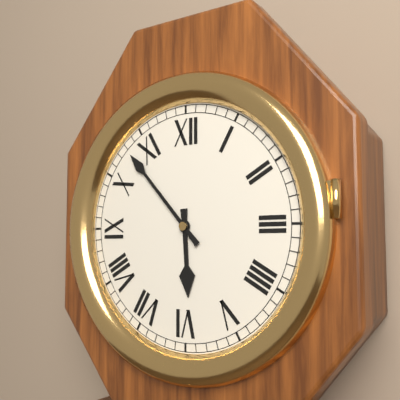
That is **5:53**
